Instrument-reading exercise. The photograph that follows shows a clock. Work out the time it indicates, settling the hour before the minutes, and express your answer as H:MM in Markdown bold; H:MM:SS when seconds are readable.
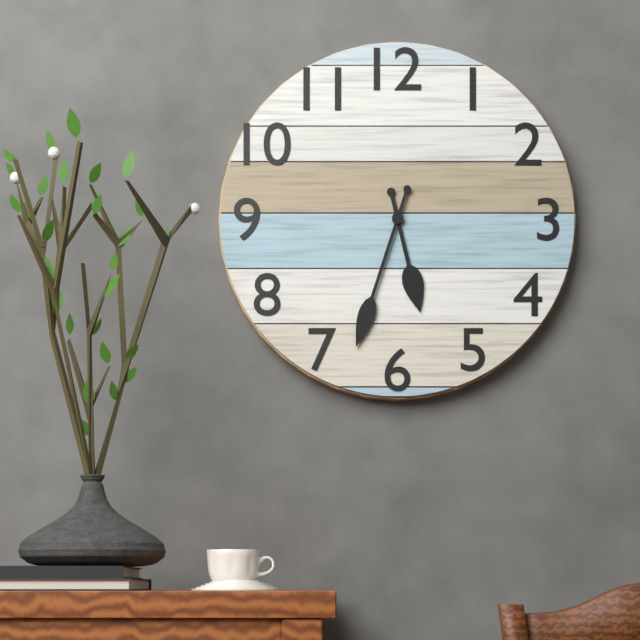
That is **5:33**
